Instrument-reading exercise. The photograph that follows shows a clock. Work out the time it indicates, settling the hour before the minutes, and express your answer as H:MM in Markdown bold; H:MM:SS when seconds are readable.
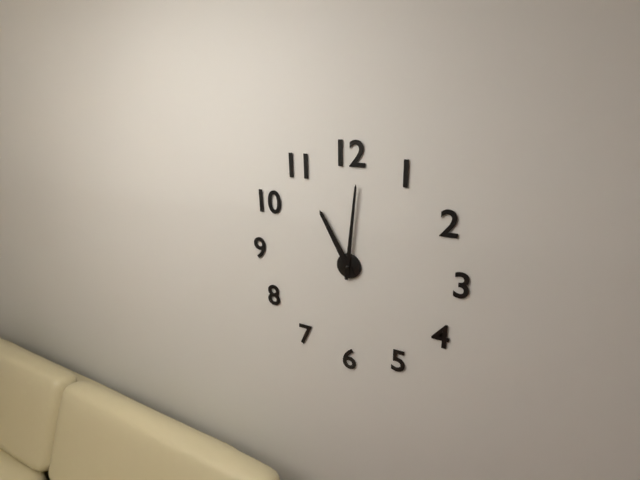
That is **11:01**
